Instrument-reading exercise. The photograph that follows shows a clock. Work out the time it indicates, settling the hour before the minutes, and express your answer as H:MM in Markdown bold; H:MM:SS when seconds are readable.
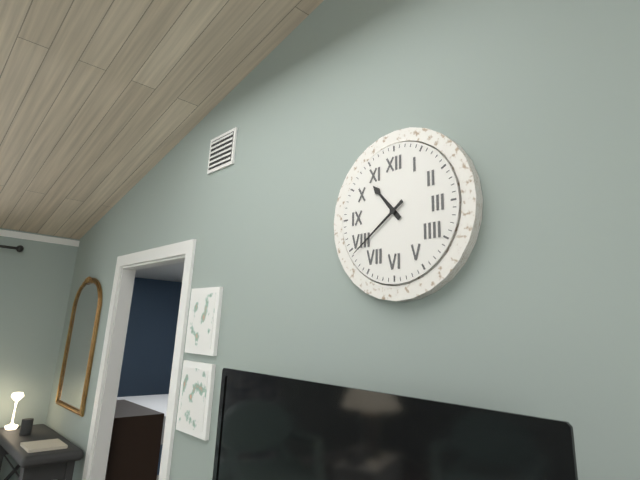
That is **10:39**
